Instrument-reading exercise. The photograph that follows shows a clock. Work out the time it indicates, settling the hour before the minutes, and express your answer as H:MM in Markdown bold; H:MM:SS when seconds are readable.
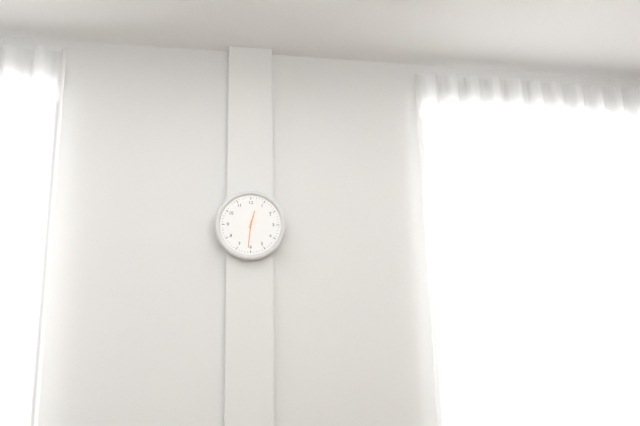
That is **12:31**
